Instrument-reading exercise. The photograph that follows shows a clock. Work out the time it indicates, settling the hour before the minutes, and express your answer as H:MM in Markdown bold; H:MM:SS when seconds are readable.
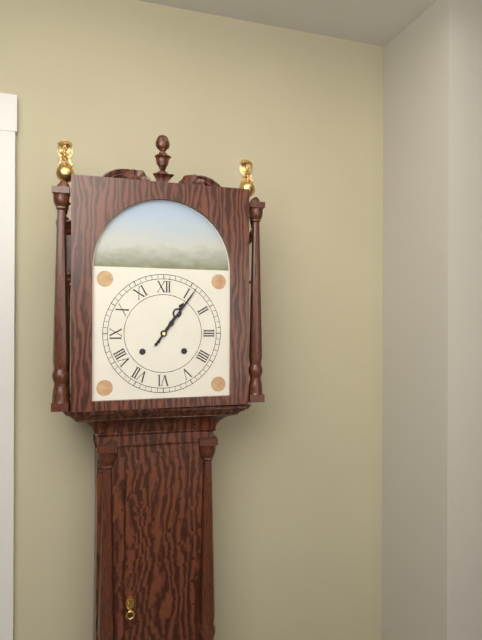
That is **1:06**
